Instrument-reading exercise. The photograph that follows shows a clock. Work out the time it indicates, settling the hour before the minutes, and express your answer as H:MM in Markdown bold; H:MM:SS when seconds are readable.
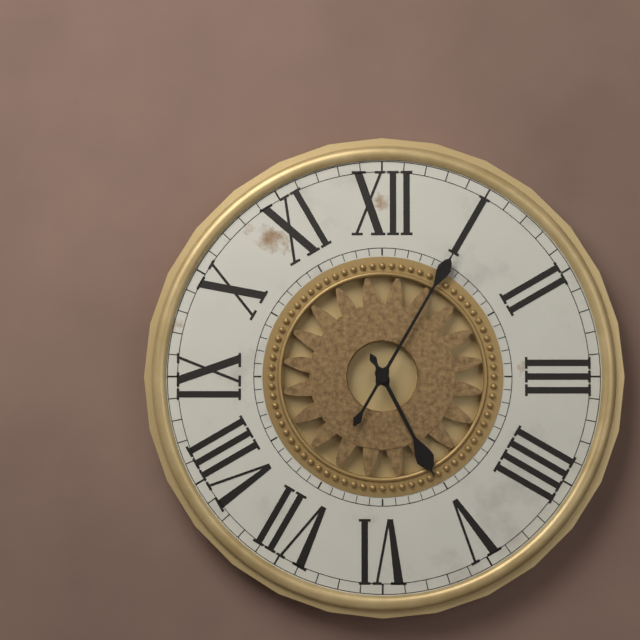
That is **5:05**
